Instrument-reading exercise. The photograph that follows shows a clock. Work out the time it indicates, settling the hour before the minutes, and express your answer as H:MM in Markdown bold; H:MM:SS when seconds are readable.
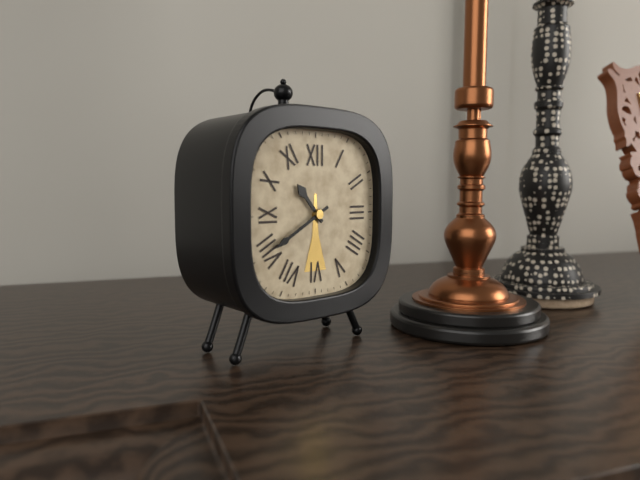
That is **10:40**
